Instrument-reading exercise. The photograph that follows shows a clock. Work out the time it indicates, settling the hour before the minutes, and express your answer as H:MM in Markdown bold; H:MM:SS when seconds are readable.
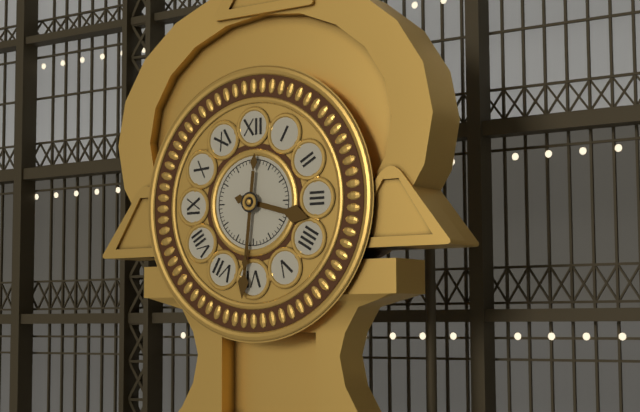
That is **3:31**
